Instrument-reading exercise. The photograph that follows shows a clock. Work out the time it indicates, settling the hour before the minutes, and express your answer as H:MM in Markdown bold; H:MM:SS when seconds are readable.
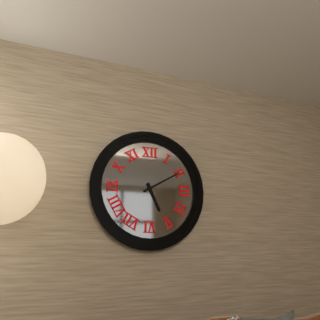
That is **5:10**
